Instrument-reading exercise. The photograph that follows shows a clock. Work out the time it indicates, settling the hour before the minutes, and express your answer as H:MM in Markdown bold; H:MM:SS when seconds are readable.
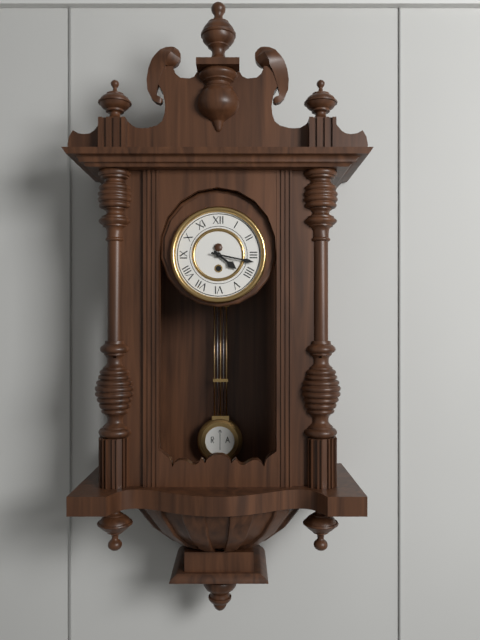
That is **4:17**
